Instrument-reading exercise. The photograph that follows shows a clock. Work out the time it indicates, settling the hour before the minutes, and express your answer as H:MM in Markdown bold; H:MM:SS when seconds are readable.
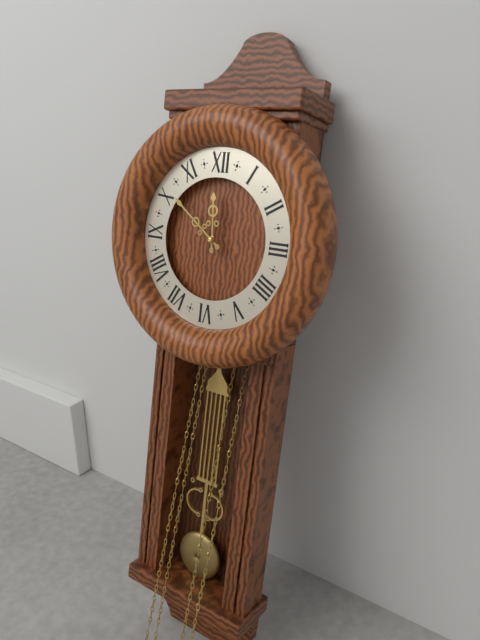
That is **11:51**
